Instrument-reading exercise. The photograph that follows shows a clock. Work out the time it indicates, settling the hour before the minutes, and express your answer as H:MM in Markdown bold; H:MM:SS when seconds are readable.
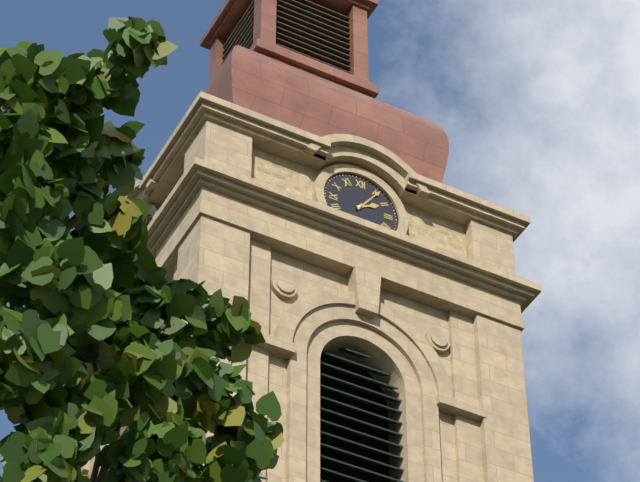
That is **2:06**
